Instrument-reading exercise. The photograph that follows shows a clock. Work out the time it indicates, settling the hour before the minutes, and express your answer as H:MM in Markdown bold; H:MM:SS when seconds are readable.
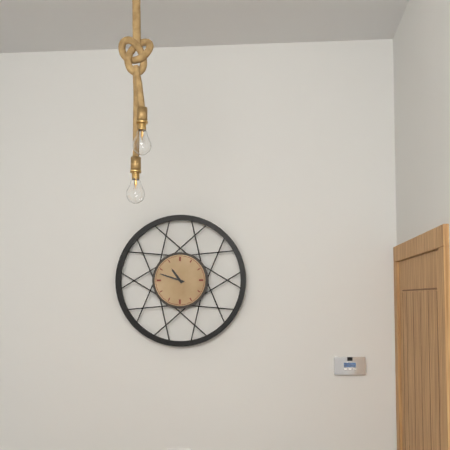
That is **10:48**
